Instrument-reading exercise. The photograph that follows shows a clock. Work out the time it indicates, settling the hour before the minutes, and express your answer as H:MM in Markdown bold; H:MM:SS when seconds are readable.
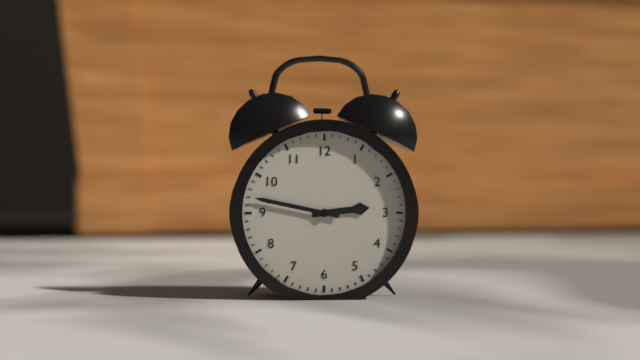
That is **2:47**
